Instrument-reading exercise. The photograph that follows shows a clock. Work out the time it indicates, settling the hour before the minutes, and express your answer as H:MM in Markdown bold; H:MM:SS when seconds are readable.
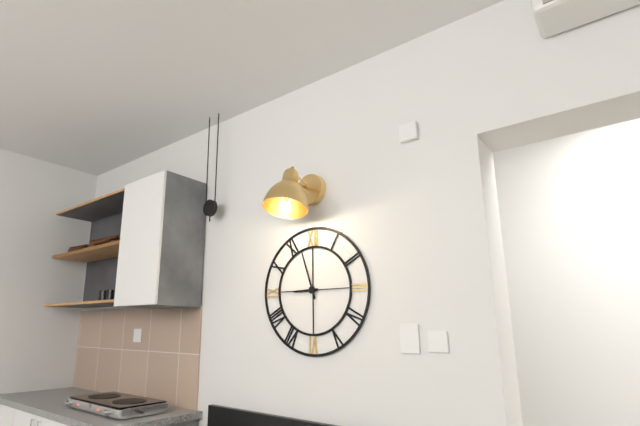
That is **8:57**
